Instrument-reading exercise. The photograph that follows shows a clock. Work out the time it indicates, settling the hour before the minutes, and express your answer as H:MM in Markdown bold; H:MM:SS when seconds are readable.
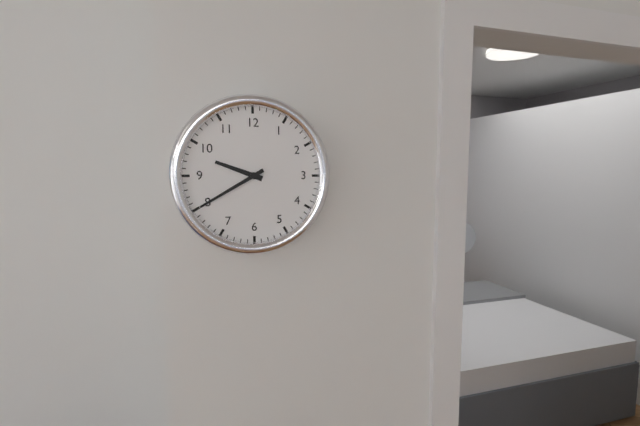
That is **9:40**
